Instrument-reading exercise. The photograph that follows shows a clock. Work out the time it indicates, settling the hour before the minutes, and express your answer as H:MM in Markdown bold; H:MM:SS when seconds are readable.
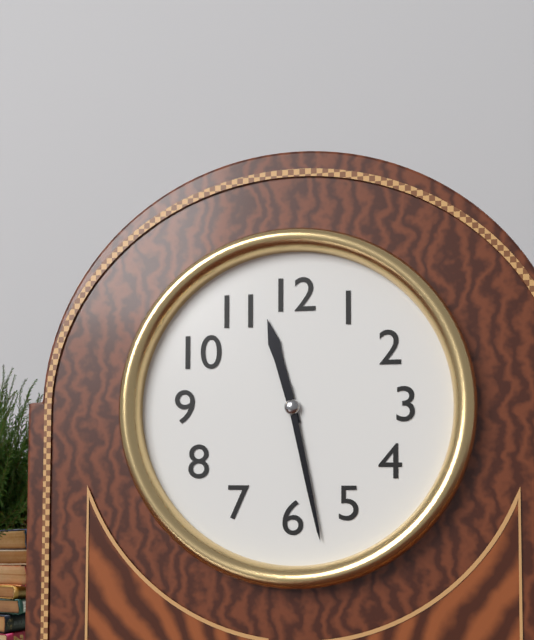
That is **11:28**
